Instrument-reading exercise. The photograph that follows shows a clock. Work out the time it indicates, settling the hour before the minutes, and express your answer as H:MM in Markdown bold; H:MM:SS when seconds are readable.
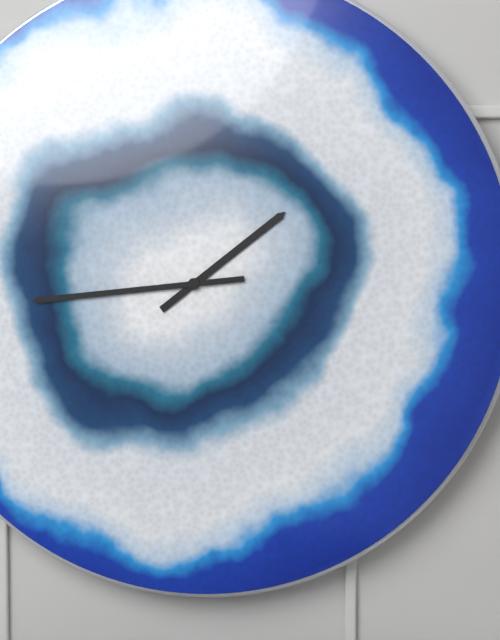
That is **1:44**
